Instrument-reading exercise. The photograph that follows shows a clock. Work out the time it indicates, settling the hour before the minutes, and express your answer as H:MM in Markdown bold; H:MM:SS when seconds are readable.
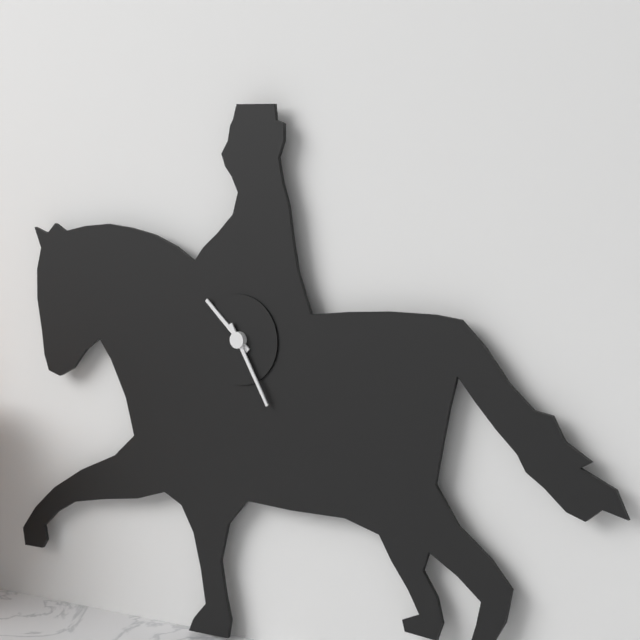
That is **10:25**
